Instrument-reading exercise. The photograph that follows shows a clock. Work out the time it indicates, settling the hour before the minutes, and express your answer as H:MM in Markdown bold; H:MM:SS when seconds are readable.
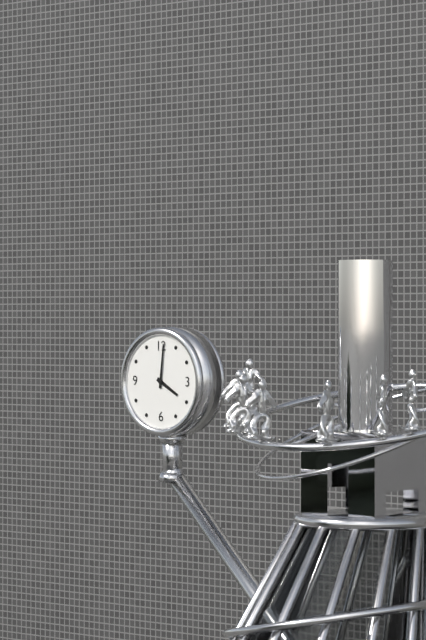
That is **4:01**
